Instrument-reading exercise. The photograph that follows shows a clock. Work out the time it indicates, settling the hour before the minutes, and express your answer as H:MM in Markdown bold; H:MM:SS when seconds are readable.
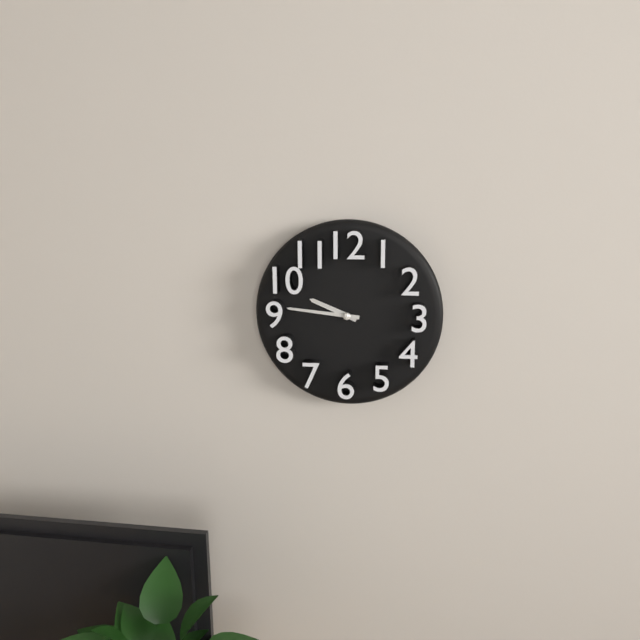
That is **9:46**
